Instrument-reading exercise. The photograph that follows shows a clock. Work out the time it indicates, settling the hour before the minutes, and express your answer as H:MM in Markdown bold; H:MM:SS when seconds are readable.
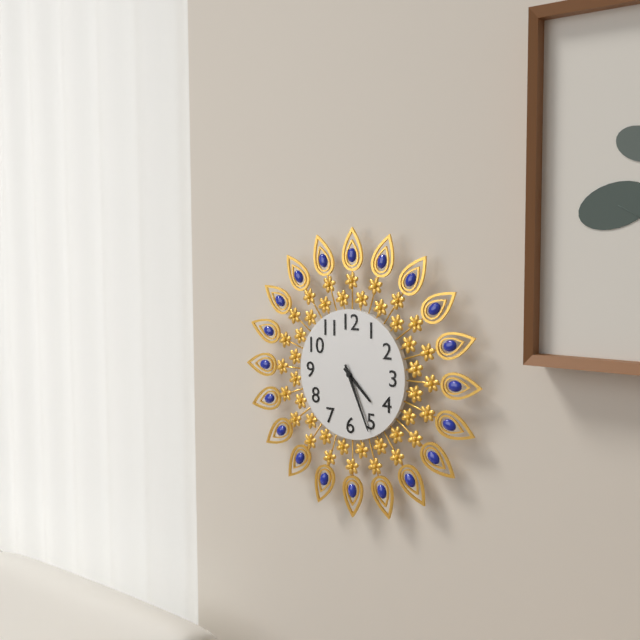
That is **4:26**
